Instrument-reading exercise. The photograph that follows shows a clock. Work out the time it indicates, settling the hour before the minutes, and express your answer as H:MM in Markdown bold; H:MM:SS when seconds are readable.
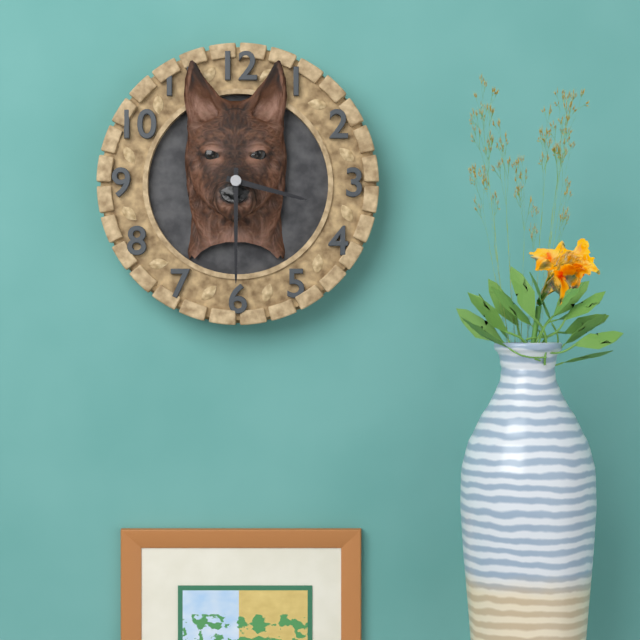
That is **3:30**
